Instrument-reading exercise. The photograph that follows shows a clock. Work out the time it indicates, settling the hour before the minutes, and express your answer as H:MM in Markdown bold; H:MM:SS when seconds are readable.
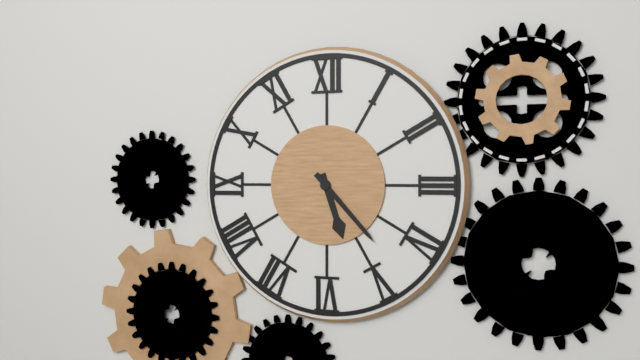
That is **5:23**
